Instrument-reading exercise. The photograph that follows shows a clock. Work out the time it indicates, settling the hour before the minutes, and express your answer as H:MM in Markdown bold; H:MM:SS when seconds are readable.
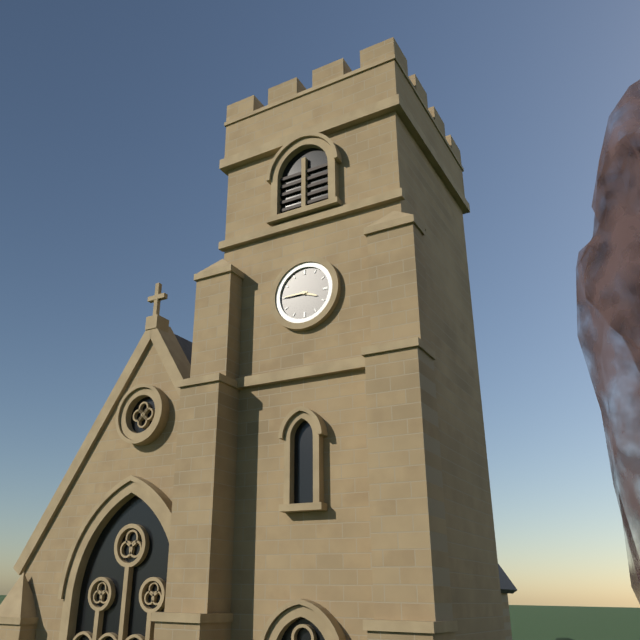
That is **3:45**
